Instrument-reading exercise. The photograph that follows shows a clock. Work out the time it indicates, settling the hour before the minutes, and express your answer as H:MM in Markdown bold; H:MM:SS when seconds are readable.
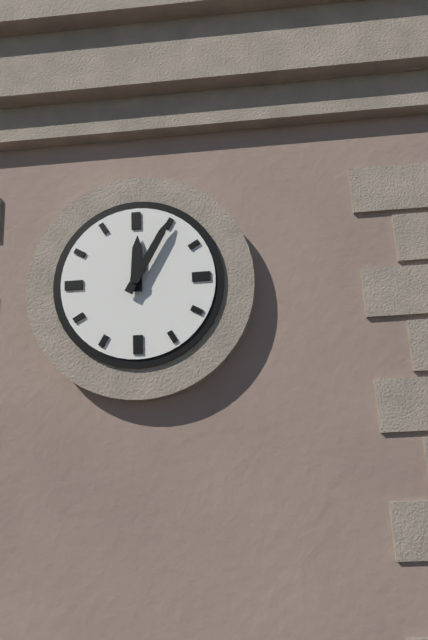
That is **12:05**
